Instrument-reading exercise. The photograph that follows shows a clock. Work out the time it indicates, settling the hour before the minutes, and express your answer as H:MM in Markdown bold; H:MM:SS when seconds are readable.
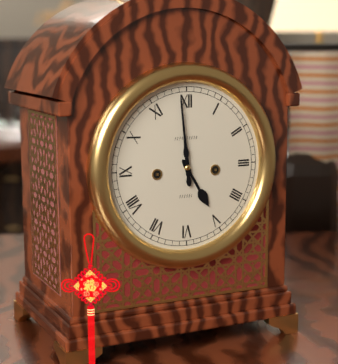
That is **4:59**
